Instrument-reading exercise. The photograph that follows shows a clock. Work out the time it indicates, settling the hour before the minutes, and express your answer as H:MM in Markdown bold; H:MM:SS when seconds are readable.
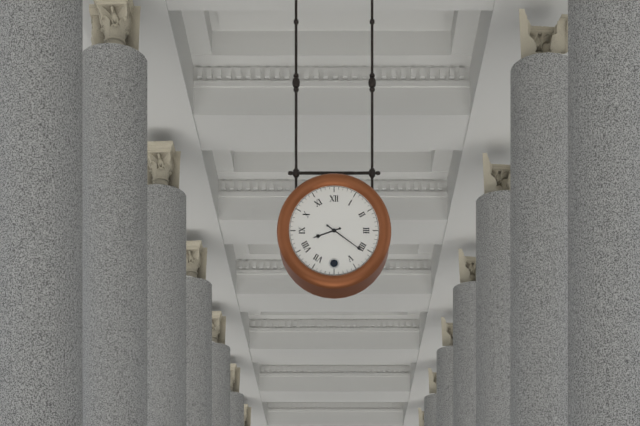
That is **8:21**
